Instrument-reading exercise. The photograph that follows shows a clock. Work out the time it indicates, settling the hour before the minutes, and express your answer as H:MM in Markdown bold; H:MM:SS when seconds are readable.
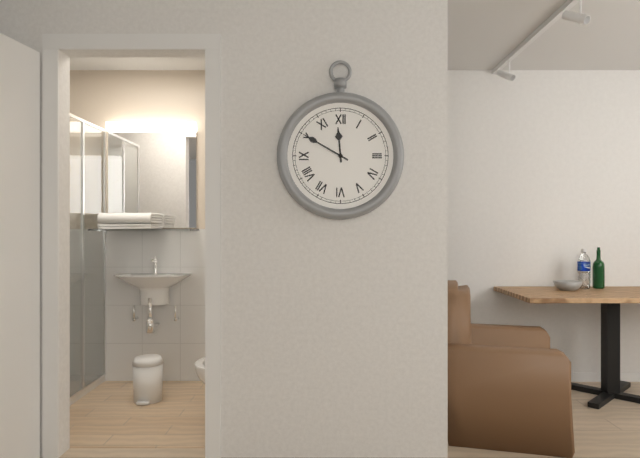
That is **11:50**
